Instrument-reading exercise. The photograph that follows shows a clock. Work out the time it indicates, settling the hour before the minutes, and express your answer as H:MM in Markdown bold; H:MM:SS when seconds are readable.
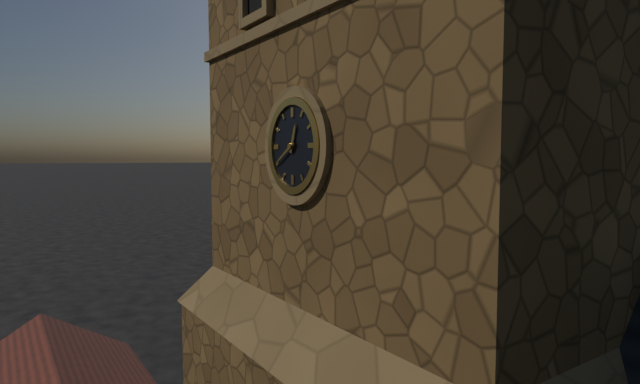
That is **12:40**
